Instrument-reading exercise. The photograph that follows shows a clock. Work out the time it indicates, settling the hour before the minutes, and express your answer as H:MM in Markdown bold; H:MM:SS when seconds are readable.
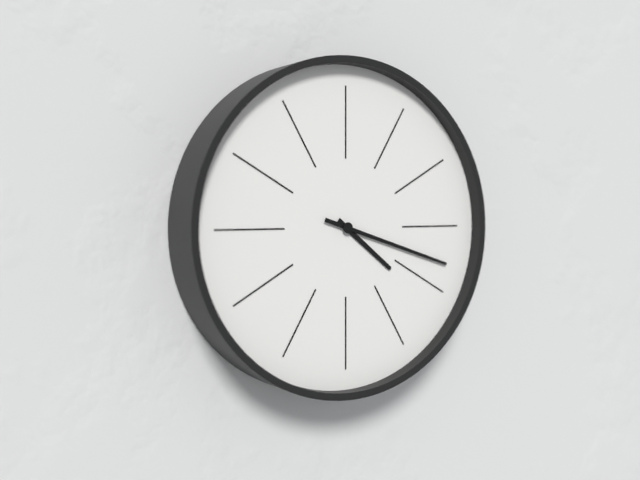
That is **4:18**
